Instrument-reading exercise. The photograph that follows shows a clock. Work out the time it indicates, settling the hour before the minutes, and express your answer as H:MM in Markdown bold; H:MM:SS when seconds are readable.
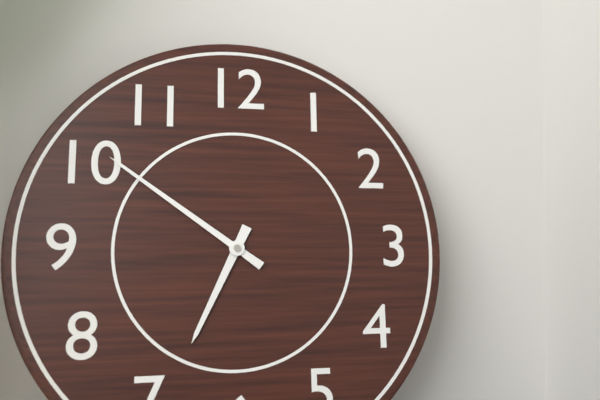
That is **6:51**
